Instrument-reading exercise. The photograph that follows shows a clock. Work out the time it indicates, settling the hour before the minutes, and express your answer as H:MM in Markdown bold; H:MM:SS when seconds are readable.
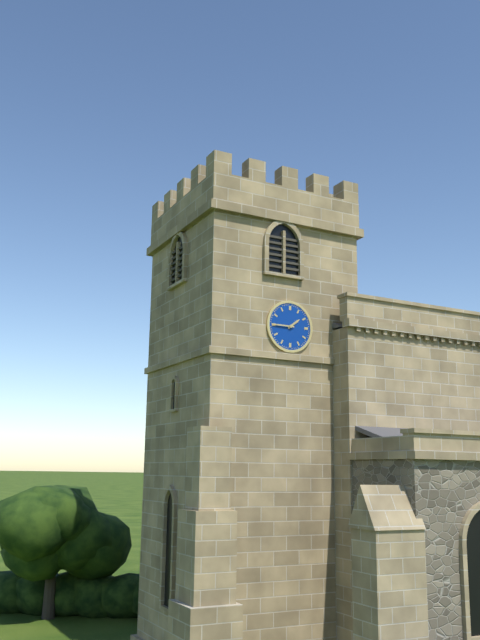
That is **1:45**
